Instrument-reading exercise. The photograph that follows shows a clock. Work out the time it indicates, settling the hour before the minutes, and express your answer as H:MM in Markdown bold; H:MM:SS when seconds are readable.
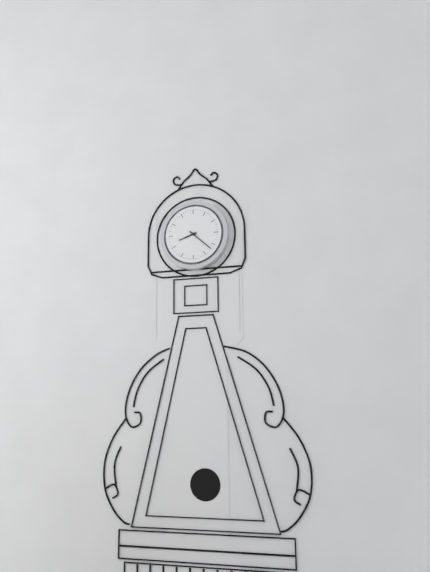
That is **8:22**
